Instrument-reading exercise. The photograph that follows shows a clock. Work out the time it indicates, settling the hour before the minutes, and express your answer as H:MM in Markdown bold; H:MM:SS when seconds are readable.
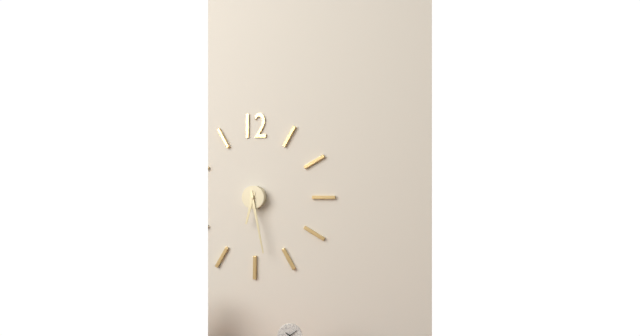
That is **6:28**
